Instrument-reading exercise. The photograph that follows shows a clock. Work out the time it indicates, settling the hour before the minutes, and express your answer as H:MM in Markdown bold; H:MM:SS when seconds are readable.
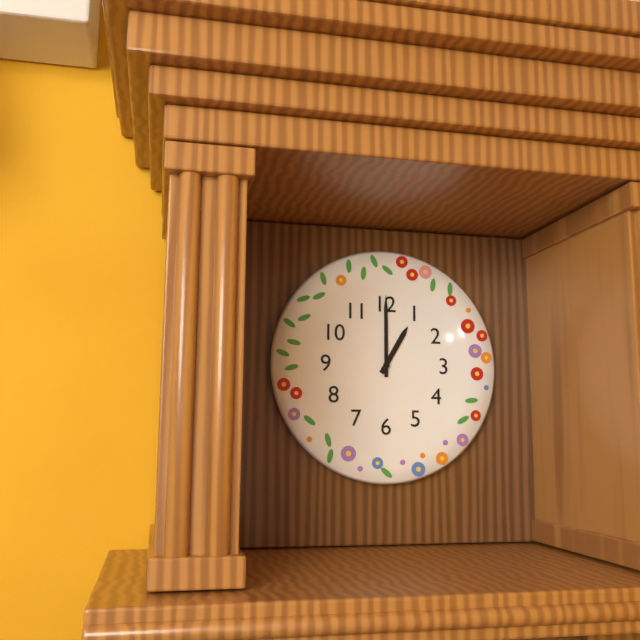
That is **1:00**
